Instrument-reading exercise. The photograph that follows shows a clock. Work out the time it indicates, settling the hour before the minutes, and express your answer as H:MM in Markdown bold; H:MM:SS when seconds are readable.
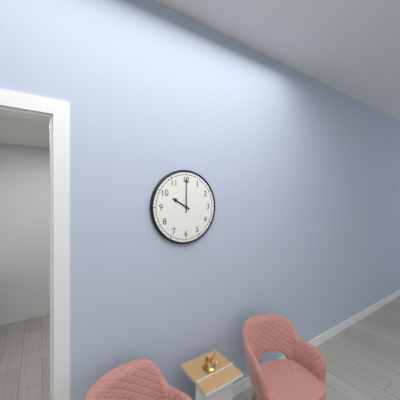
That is **10:00**
